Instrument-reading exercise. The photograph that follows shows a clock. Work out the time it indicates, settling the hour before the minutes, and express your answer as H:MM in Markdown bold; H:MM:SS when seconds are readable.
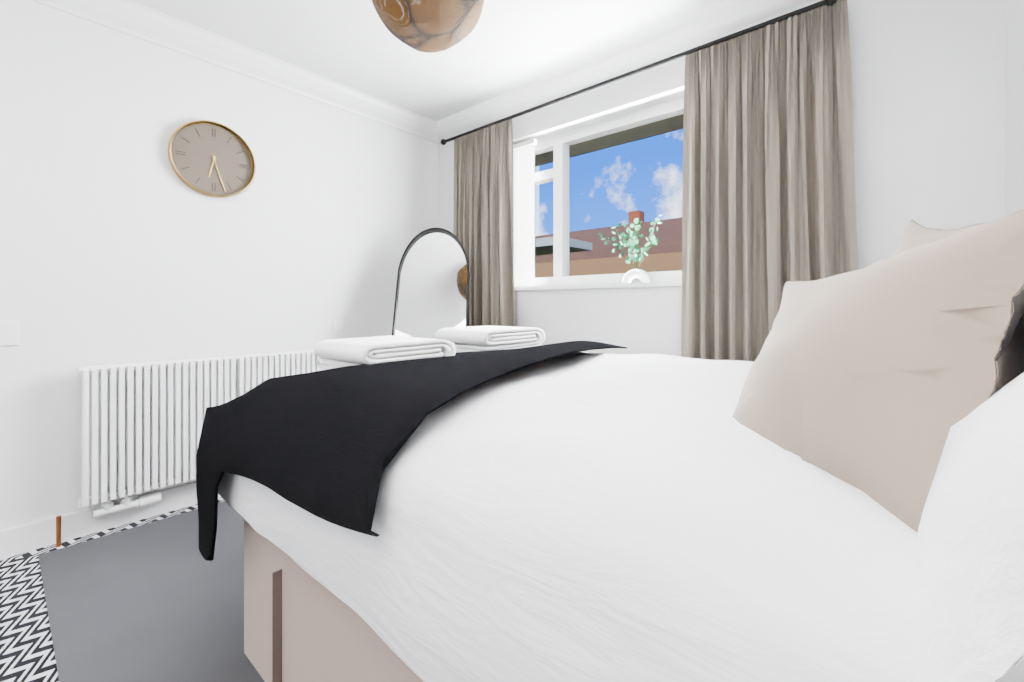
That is **6:27**
